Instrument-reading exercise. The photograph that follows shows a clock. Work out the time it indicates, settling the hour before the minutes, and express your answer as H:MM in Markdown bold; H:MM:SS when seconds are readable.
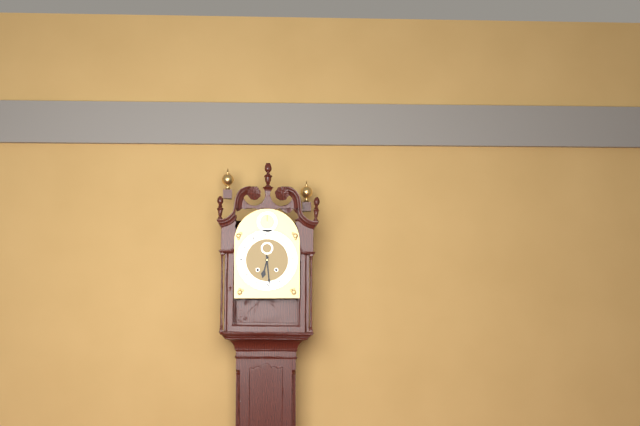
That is **6:29**
